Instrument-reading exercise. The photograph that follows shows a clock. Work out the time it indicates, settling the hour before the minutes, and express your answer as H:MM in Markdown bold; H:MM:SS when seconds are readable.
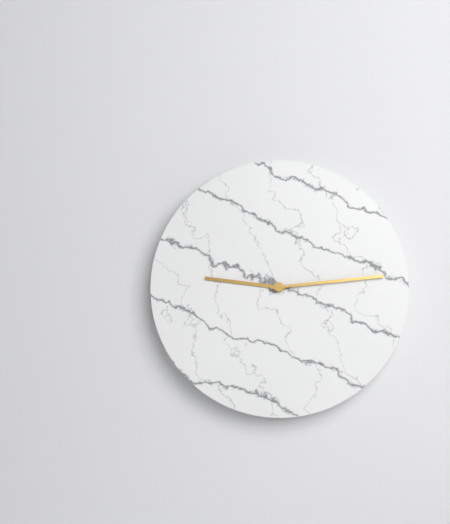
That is **9:14**
